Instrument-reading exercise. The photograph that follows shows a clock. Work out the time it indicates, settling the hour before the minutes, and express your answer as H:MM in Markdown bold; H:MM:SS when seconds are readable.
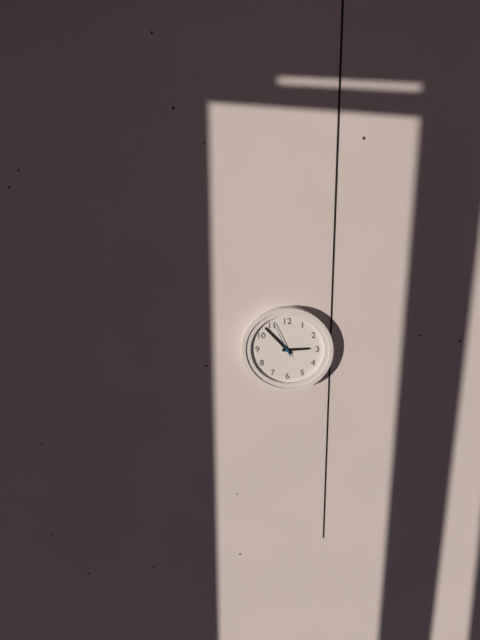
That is **2:53**
